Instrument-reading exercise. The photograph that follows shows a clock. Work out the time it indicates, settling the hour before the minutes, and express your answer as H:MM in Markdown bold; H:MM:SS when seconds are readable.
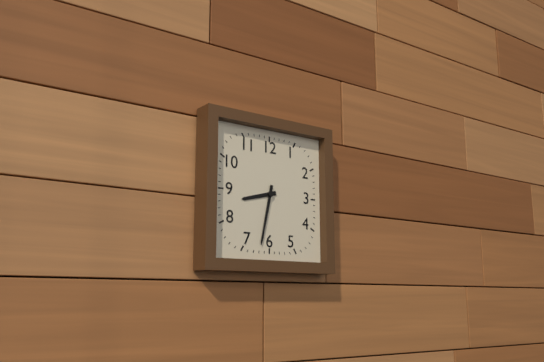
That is **8:32**
